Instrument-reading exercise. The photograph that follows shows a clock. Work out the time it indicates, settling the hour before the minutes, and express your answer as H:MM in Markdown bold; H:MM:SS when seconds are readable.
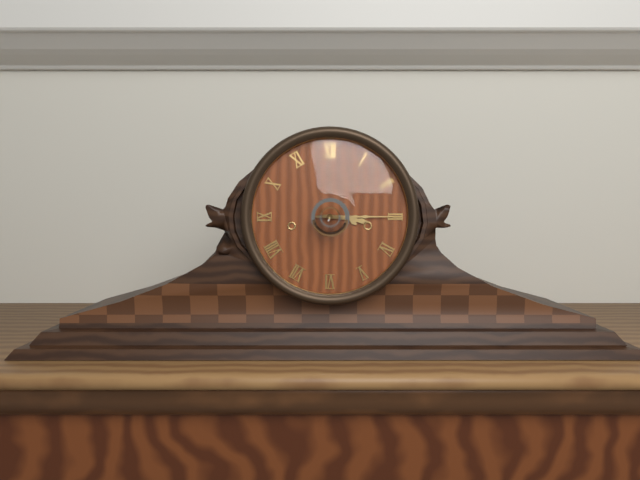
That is **3:15**
